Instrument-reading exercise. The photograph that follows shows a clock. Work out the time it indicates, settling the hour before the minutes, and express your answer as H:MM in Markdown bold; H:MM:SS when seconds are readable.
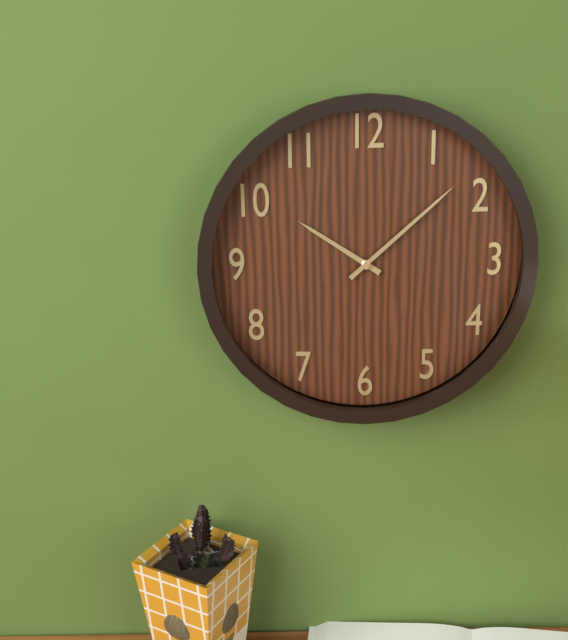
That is **10:08**
